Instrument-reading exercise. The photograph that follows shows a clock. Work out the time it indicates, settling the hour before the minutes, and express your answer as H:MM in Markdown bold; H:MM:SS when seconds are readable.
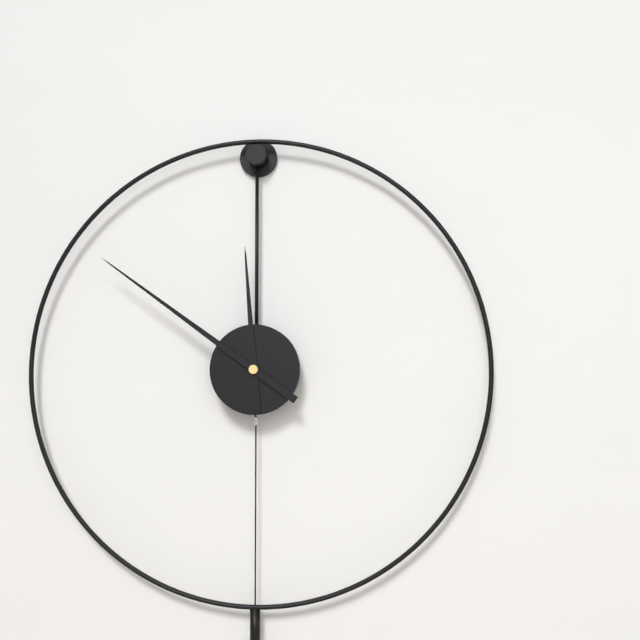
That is **11:51**
